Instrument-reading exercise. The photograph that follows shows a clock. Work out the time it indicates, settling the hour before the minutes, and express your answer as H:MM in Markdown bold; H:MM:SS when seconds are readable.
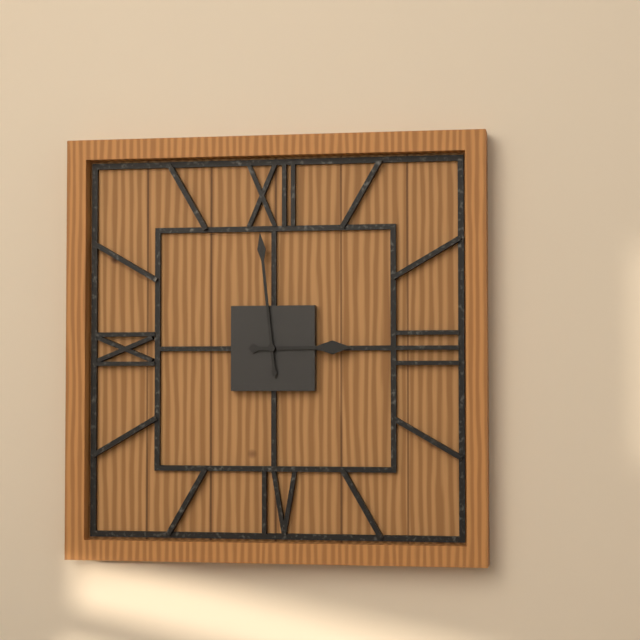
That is **2:59**
